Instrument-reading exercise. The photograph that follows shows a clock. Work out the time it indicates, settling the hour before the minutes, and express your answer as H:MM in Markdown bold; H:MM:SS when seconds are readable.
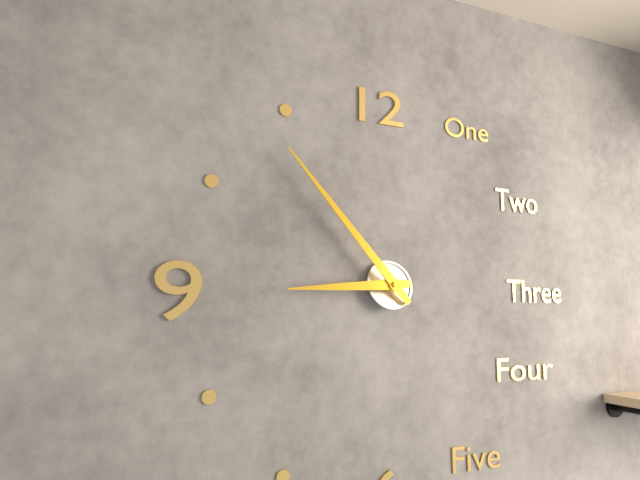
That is **8:53**
